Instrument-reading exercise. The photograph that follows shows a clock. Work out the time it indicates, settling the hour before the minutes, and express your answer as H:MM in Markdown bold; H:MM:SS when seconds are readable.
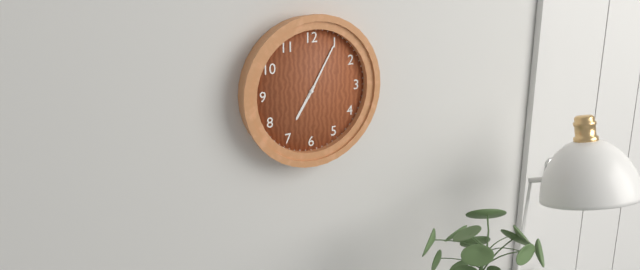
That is **7:05**
